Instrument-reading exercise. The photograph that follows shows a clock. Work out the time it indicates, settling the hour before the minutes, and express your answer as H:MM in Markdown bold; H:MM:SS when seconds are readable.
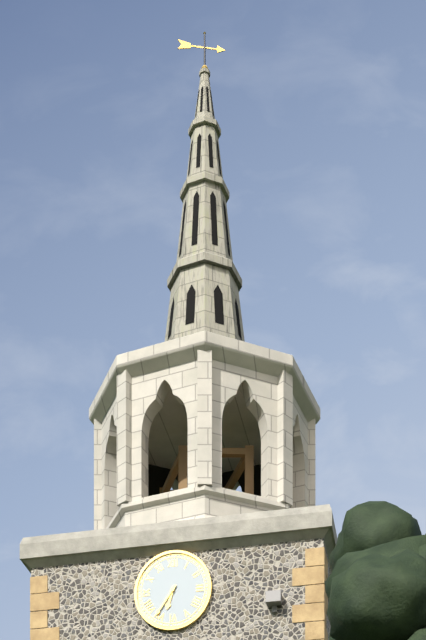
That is **6:36**
